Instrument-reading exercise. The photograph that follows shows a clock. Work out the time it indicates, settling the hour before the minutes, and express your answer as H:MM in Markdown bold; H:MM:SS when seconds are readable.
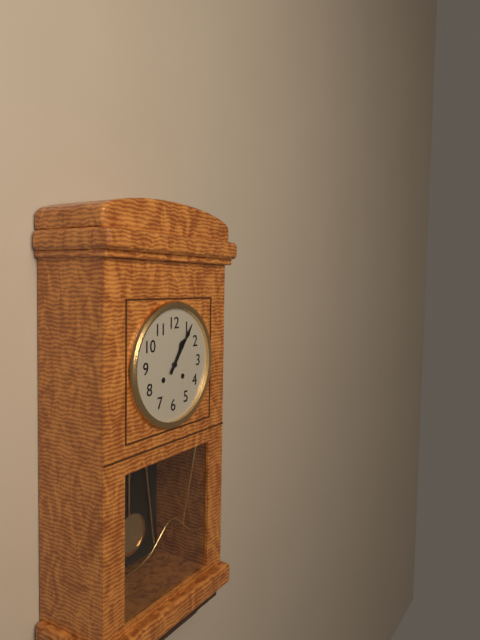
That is **1:06**
